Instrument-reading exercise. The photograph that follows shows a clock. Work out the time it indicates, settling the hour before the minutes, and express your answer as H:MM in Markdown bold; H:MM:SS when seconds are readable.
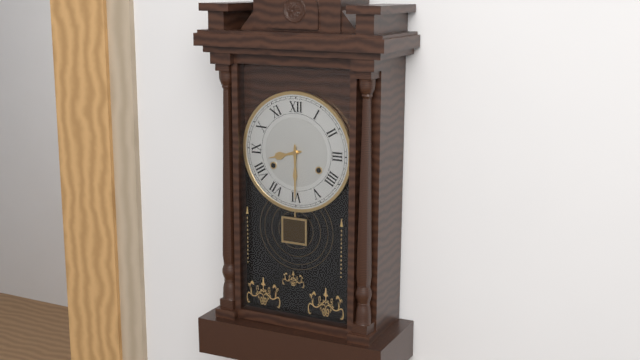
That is **8:30**
